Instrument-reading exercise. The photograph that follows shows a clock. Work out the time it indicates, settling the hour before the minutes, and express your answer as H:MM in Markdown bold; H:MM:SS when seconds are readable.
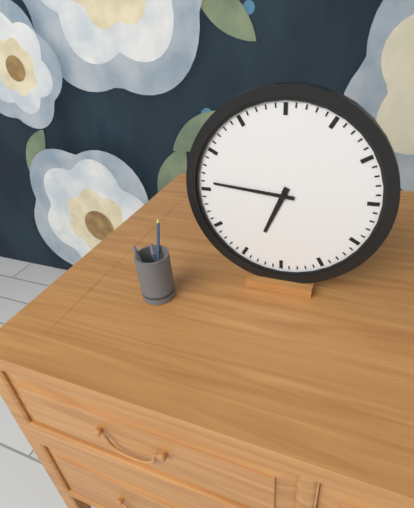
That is **6:46**
